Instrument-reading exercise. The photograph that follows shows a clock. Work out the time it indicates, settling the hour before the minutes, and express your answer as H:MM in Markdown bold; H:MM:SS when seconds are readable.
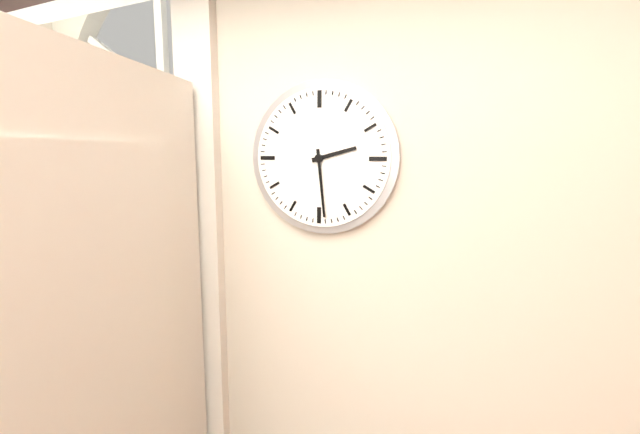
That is **2:29**
